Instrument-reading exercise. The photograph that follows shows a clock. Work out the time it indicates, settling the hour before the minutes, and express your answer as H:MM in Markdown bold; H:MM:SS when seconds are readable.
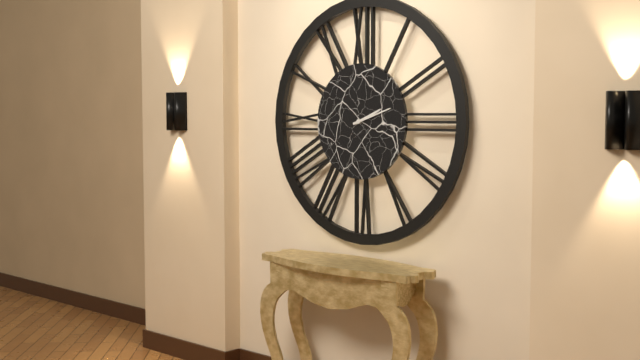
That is **2:12**
